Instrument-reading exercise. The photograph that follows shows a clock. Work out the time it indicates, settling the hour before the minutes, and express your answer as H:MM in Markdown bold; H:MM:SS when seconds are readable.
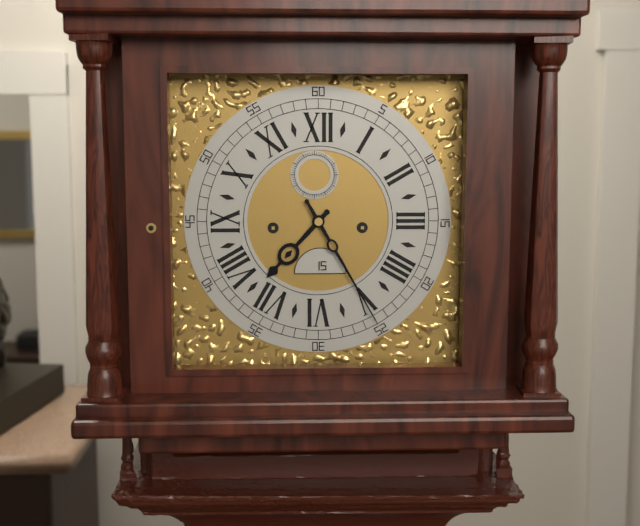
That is **7:25**
